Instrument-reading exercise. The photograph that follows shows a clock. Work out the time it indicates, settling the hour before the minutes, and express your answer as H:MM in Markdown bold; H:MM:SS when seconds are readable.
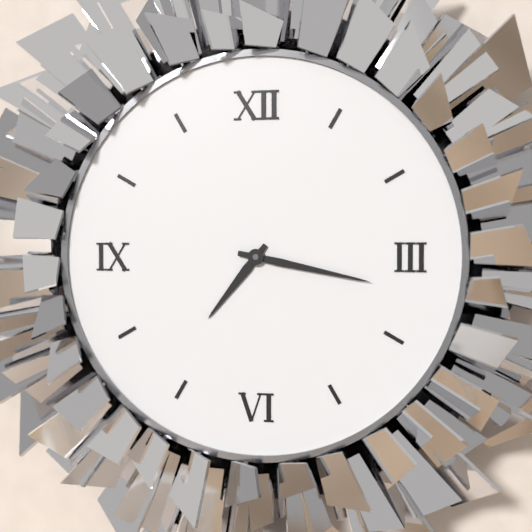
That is **7:17**
